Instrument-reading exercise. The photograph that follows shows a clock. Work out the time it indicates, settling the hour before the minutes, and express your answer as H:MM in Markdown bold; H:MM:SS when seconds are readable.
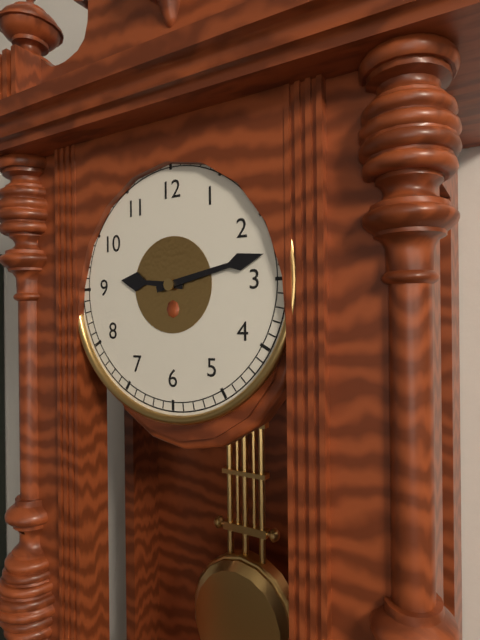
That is **9:13**
